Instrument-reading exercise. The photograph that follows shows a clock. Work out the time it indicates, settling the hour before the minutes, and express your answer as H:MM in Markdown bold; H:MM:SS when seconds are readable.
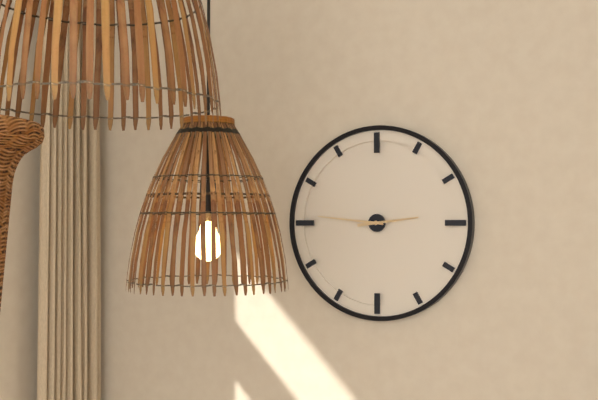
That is **2:46**
